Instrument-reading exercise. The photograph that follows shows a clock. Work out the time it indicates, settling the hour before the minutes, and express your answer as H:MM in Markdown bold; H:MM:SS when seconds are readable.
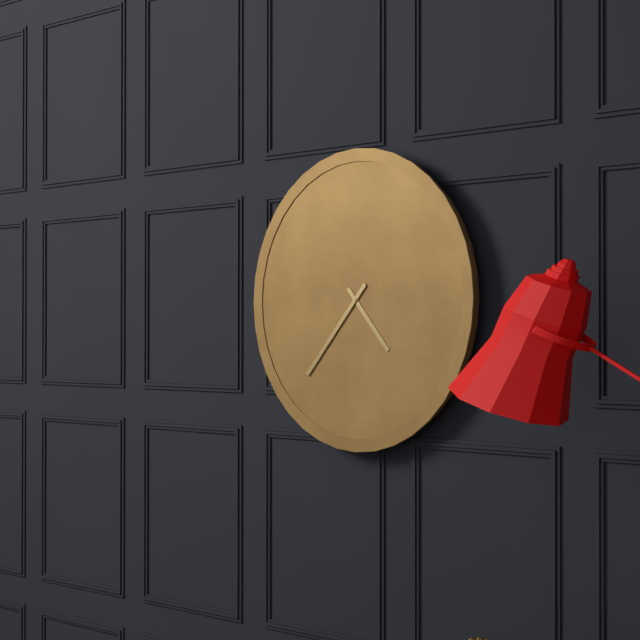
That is **4:37**
